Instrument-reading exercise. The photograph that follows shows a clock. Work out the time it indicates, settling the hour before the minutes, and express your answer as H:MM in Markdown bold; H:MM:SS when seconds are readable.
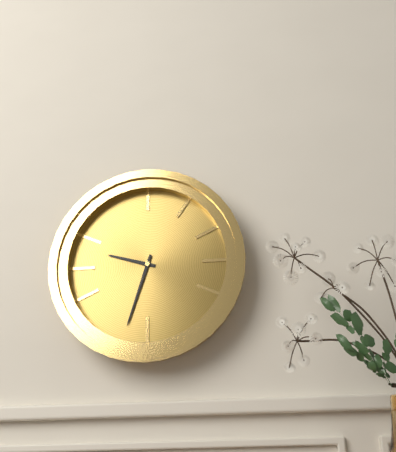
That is **9:33**
